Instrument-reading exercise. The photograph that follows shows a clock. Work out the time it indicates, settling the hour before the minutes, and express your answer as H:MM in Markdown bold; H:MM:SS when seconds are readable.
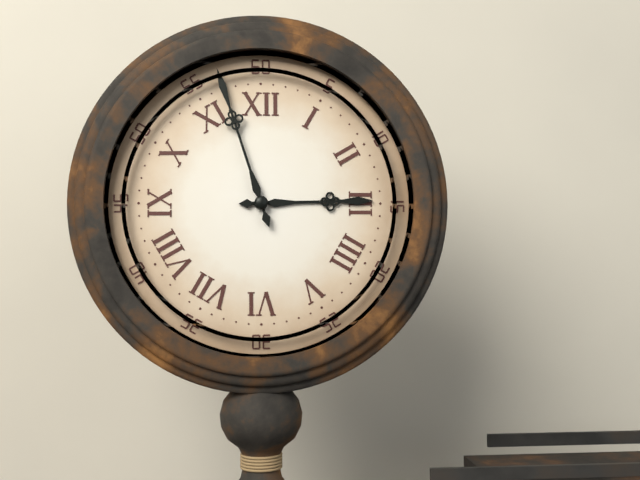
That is **2:57**
